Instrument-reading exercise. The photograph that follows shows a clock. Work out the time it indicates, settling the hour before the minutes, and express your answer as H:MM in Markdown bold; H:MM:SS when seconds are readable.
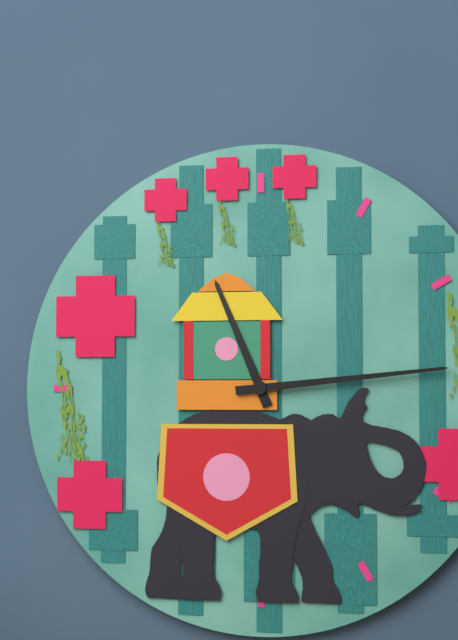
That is **11:14**
